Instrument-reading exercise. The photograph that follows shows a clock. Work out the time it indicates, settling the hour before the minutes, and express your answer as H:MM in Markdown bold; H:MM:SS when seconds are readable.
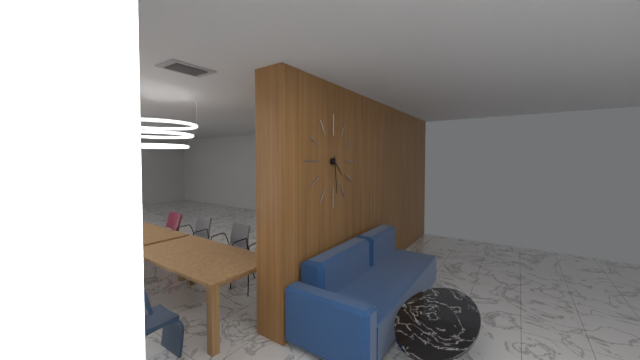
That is **4:29**
